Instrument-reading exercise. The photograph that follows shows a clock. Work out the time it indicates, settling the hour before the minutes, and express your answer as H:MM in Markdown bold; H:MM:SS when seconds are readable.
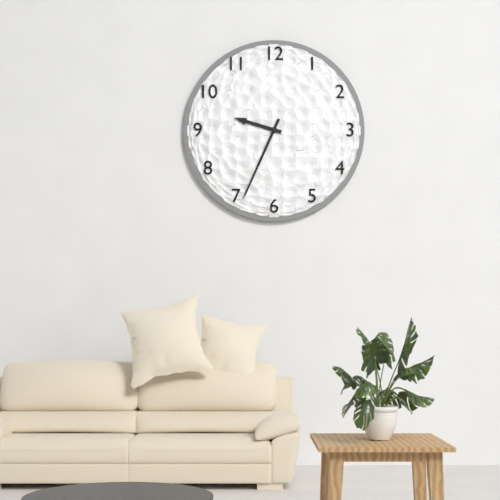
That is **9:34**
